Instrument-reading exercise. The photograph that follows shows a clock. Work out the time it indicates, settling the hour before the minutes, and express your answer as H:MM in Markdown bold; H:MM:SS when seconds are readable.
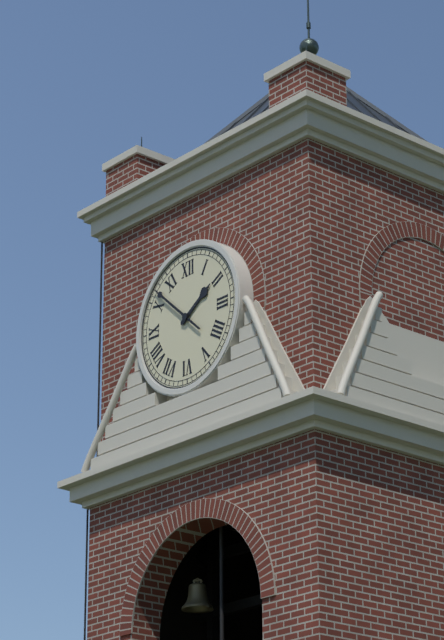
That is **1:52**
